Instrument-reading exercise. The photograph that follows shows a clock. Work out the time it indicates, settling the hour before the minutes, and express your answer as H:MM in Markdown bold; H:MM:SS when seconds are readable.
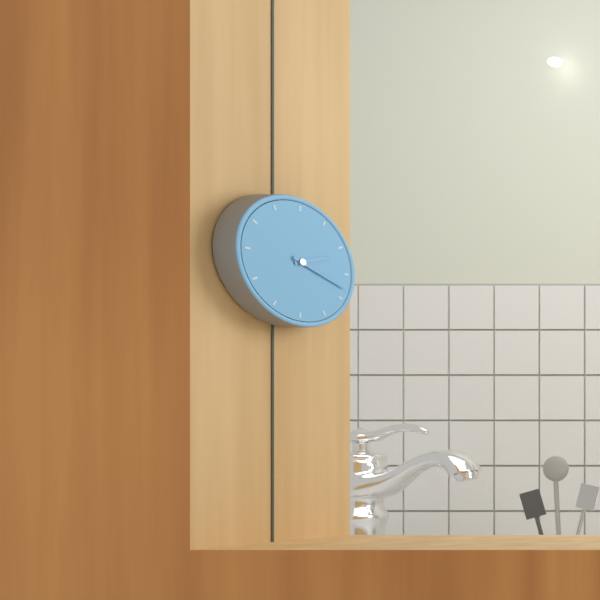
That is **2:18**
